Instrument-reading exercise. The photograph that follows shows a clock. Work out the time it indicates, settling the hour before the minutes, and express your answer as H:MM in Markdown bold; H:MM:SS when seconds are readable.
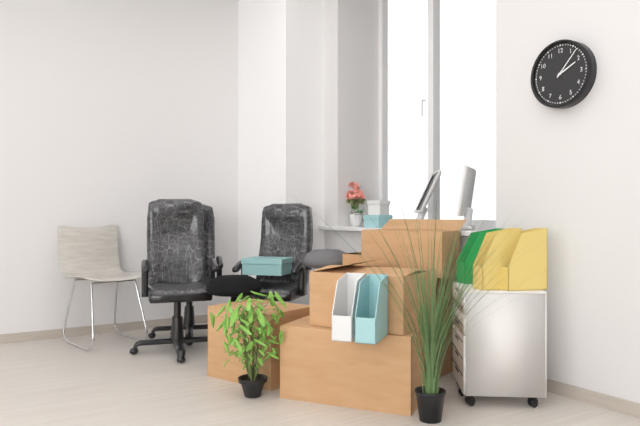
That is **2:07**
